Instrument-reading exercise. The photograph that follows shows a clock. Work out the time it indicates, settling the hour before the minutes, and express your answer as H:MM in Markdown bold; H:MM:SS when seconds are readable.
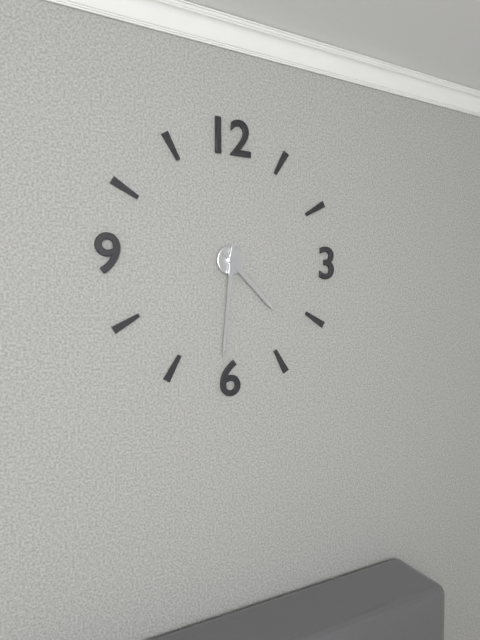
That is **4:31**
